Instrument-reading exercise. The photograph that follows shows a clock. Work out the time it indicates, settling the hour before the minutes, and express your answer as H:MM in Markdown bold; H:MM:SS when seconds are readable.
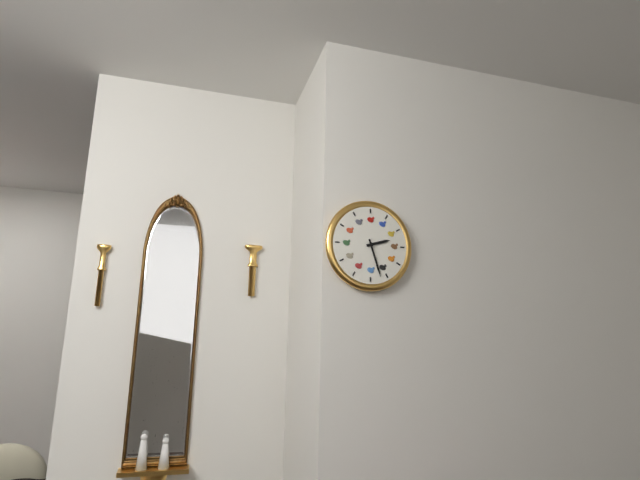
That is **2:27**
